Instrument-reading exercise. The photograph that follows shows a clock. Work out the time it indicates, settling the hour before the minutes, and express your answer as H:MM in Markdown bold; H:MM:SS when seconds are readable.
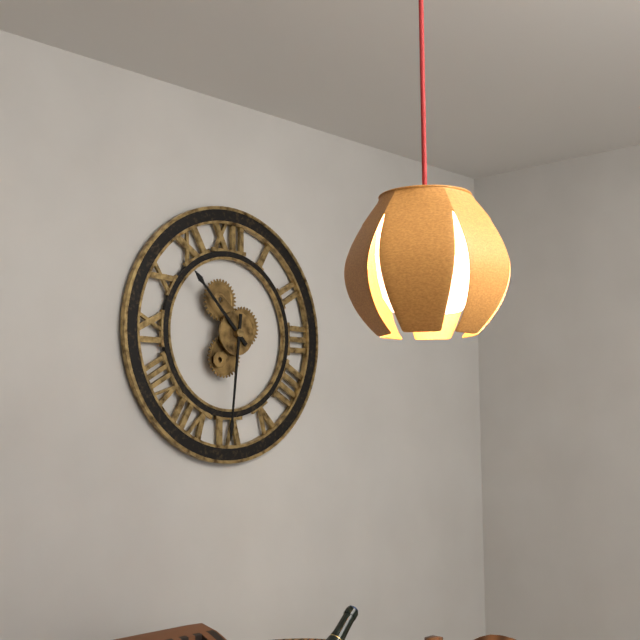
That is **10:31**
